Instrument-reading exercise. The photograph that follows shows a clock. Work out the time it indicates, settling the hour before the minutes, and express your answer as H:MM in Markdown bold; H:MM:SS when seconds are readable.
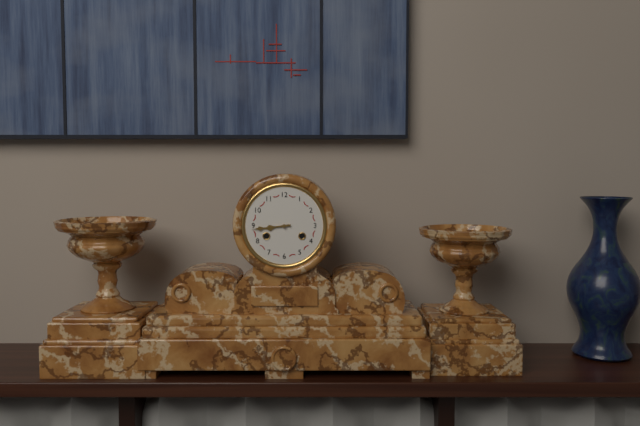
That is **8:44**
